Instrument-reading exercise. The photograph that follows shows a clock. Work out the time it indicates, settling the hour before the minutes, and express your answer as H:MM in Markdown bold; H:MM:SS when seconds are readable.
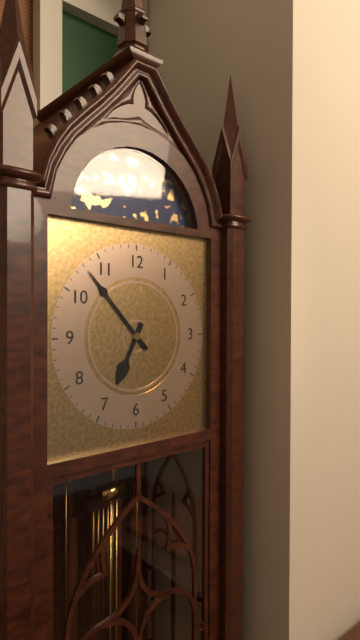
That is **6:53**
